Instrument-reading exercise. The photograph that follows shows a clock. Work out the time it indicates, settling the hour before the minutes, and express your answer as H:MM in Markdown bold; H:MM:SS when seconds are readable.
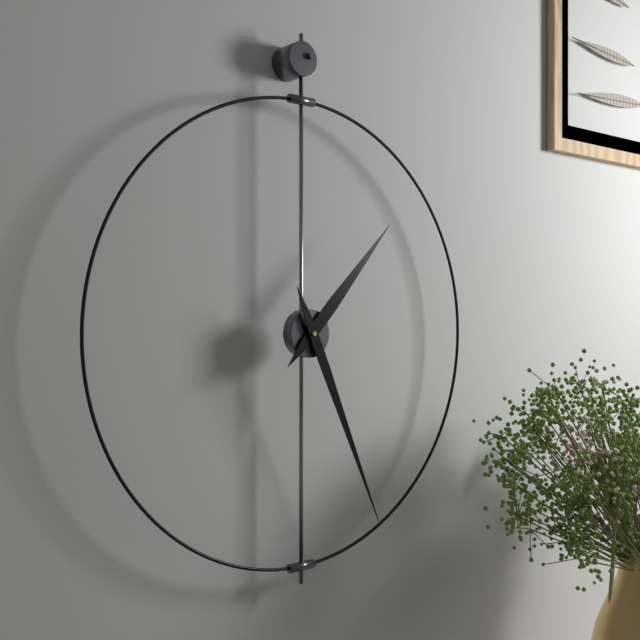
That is **1:26**
